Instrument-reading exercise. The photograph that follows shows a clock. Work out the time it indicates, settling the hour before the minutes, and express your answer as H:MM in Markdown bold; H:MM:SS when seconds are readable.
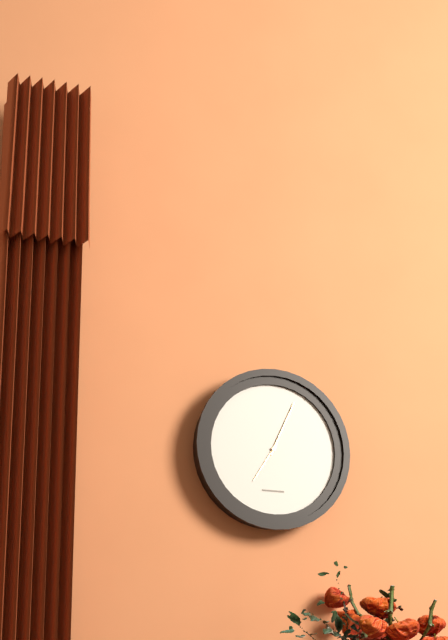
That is **7:04**
